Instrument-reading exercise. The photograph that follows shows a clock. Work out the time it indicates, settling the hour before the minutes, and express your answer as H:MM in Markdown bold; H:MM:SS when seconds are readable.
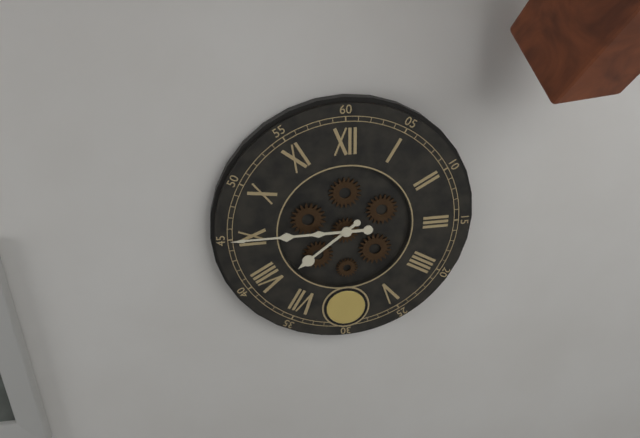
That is **7:45**
